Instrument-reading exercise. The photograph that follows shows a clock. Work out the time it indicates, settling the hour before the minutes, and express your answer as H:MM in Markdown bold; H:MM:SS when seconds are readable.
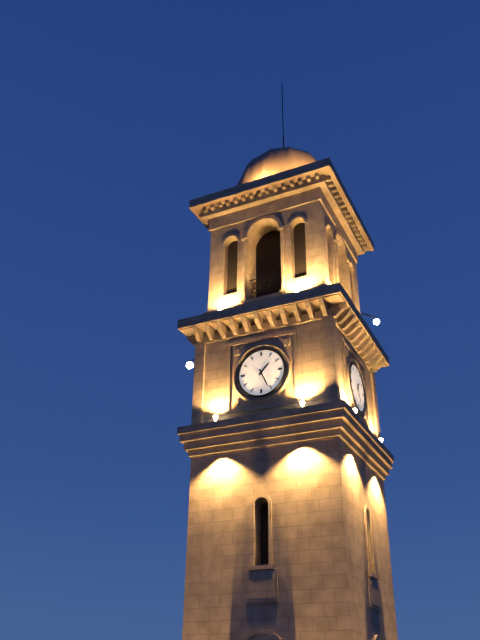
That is **1:26**
